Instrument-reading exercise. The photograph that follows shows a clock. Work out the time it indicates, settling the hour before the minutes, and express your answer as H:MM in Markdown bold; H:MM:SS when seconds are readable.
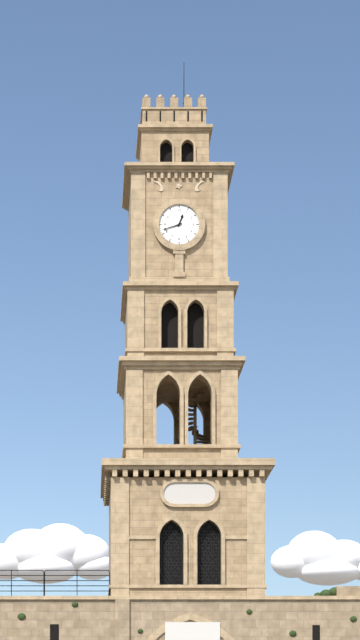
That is **12:42**
